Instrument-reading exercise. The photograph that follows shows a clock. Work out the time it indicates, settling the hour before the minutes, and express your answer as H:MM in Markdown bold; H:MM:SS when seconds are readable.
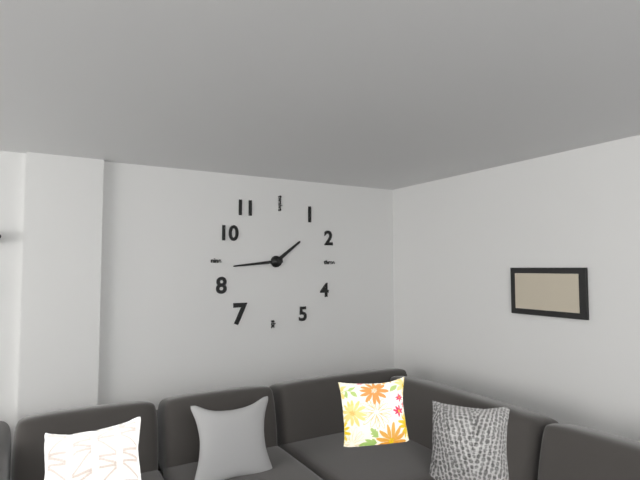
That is **1:44**
